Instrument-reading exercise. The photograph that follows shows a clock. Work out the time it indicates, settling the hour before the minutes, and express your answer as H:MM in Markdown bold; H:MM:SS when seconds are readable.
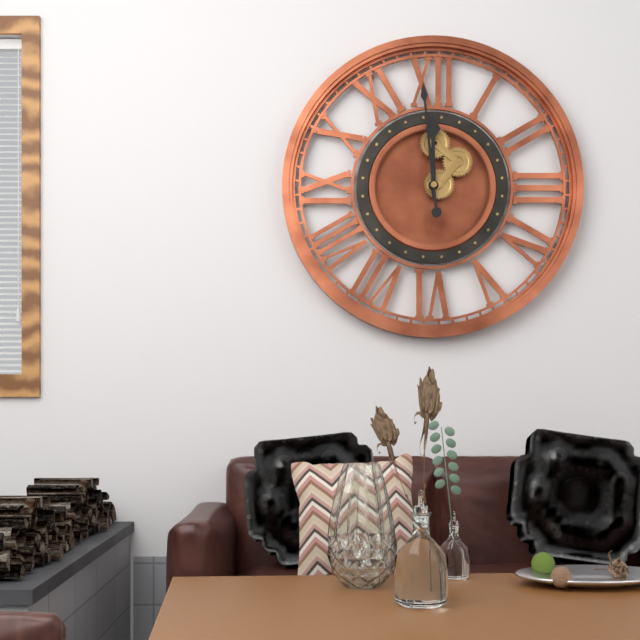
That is **11:59**
